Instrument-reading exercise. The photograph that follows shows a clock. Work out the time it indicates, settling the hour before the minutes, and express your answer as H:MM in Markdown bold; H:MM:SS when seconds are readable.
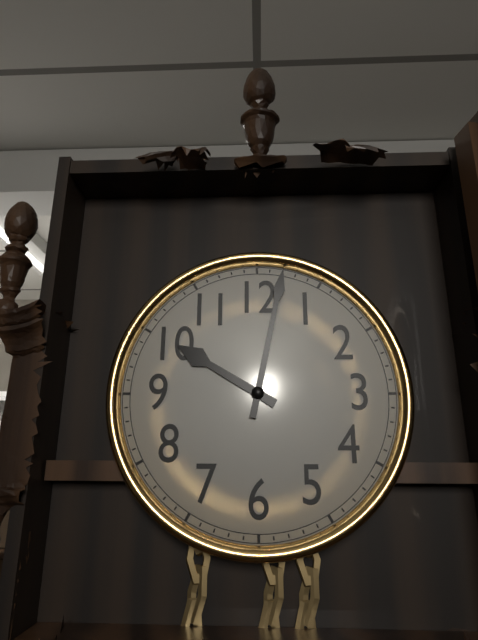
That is **10:02**
